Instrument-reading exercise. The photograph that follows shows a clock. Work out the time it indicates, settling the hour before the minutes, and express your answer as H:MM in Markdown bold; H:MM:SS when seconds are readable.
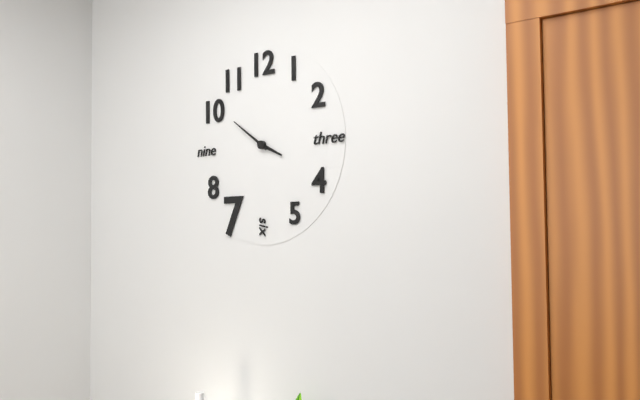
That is **3:51**
